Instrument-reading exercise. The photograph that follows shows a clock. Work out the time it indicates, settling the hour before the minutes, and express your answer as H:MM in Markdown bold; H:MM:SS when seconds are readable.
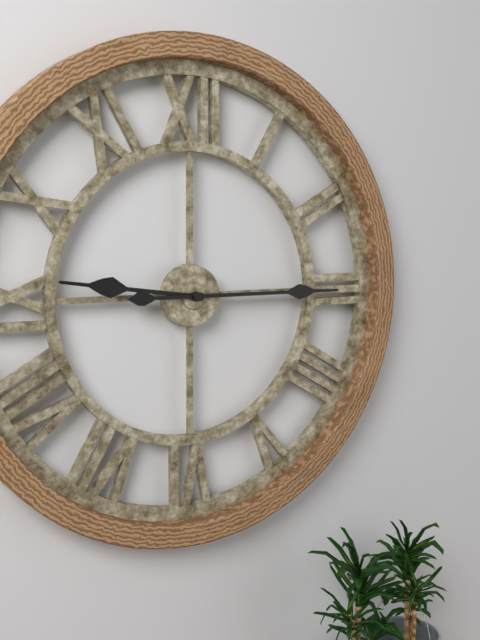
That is **9:15**
